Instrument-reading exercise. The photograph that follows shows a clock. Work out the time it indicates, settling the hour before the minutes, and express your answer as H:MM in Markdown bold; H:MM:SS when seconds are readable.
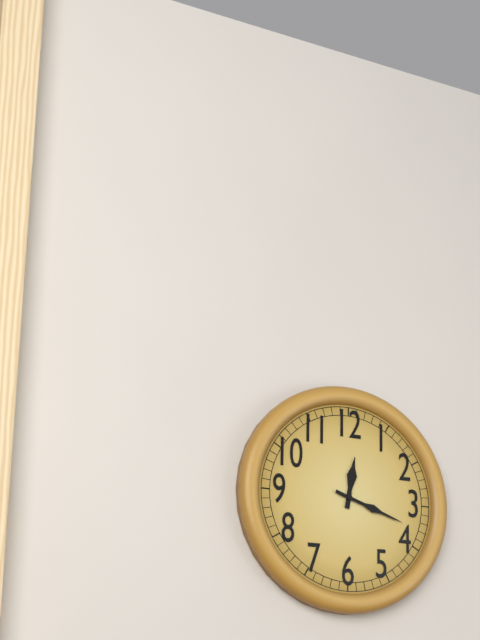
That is **12:18**
